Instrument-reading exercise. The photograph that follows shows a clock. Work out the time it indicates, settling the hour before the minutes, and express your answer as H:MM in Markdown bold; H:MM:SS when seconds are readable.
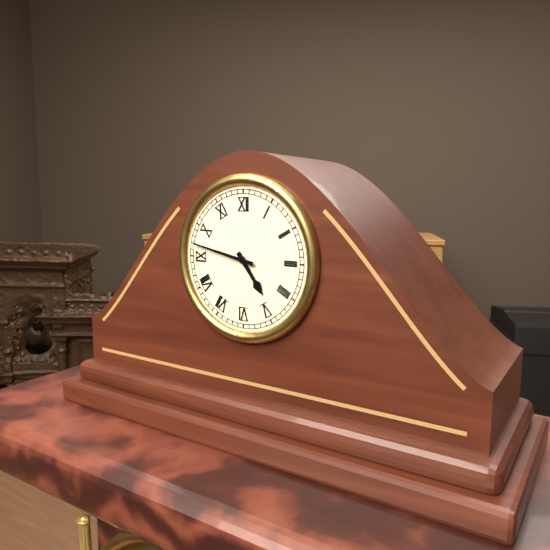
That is **4:47**
